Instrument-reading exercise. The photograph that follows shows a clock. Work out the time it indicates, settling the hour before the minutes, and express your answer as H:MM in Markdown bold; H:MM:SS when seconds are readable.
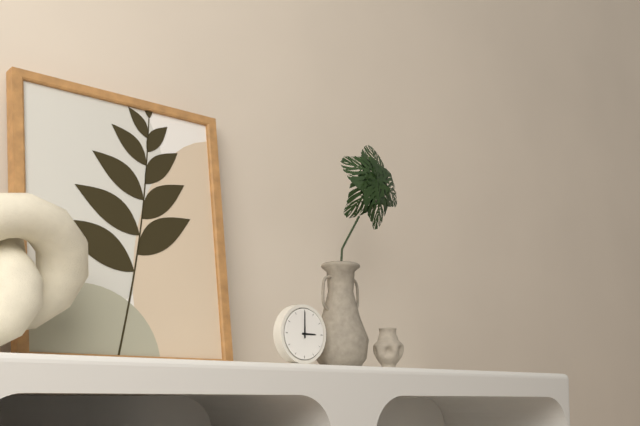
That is **3:00**
